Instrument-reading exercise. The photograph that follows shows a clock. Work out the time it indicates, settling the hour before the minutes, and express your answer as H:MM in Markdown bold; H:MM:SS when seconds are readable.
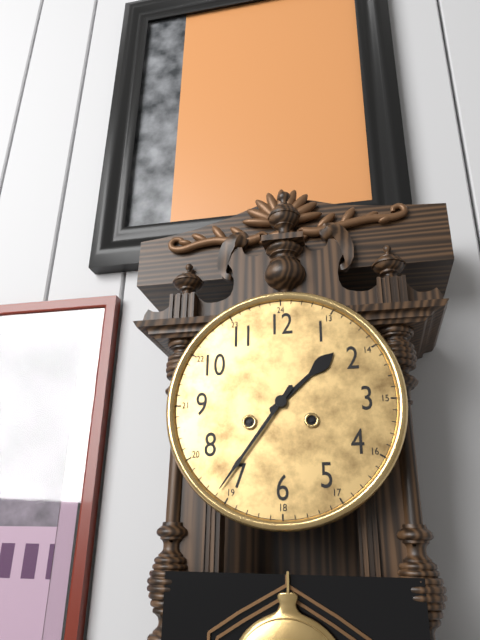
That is **1:36**
